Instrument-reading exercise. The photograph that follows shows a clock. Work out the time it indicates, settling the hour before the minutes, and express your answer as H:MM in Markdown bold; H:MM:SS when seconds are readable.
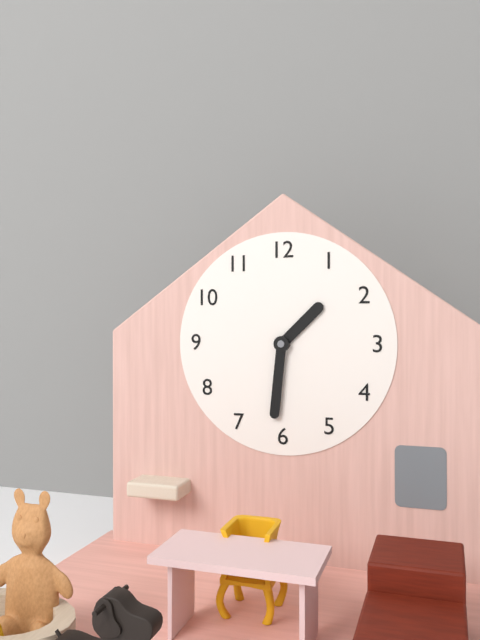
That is **1:31**
